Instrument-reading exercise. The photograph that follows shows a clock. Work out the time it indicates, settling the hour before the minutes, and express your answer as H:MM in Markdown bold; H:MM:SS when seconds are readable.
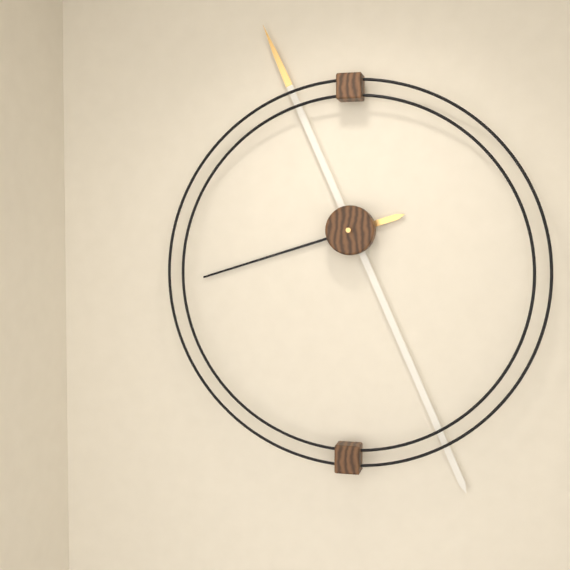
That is **8:26**
